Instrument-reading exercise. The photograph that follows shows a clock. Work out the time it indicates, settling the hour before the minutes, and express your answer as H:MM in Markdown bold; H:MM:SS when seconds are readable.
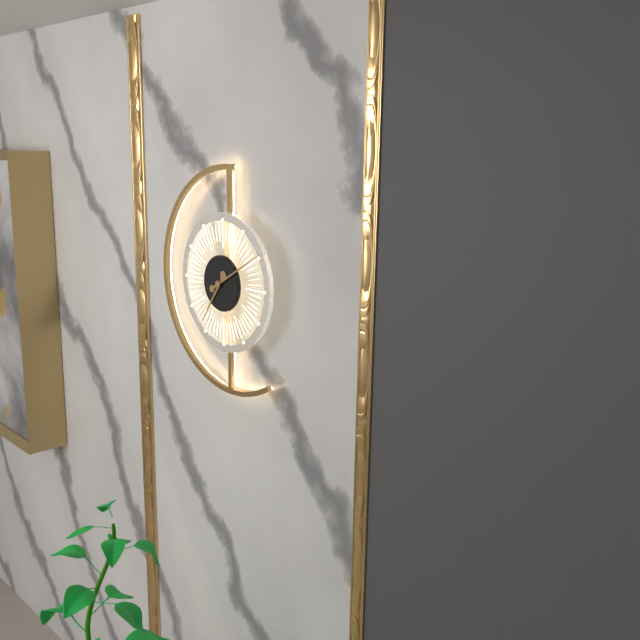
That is **7:10**
